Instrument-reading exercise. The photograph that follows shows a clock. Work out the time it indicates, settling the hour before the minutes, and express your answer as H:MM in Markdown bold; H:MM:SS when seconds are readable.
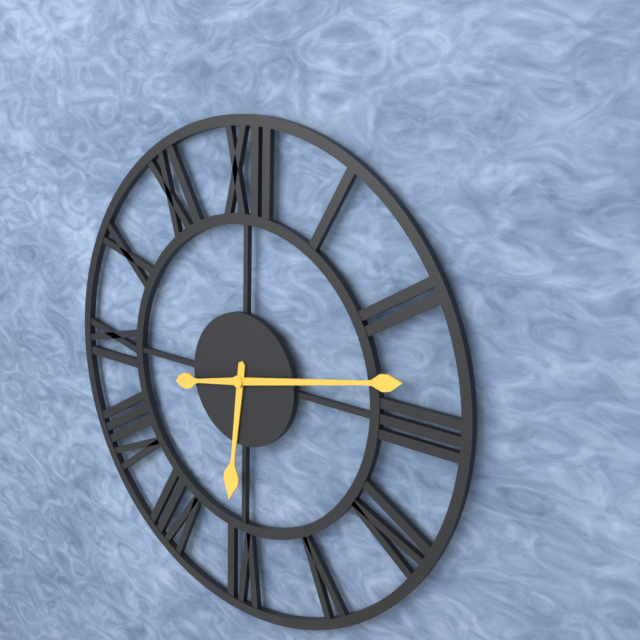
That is **6:13**
